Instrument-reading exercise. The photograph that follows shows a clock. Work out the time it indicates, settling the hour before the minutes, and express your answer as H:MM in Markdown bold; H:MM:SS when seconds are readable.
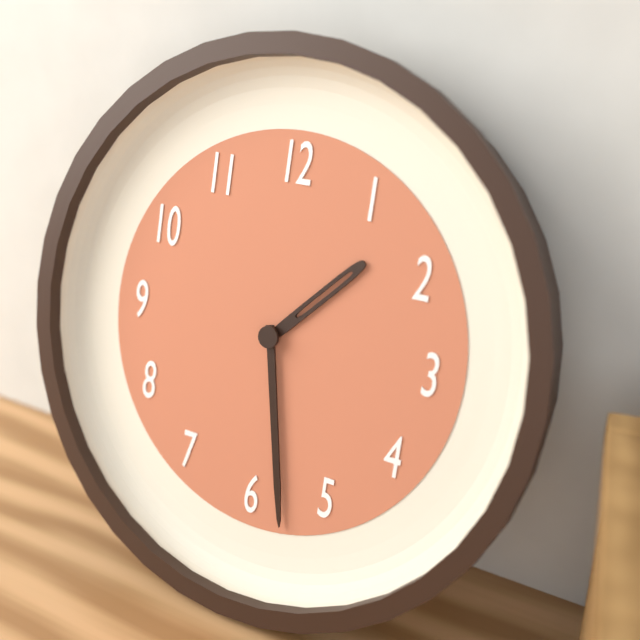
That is **1:28**
